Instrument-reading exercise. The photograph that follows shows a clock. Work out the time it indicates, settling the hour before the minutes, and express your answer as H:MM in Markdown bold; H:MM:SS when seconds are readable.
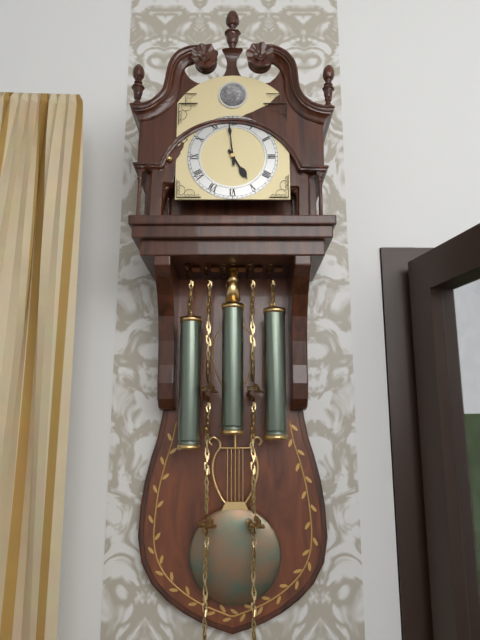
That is **4:59**
